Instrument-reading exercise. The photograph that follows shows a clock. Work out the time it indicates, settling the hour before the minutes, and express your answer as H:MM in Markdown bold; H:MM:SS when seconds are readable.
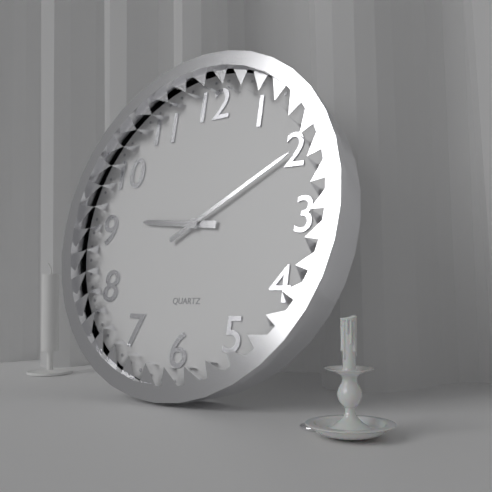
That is **9:10**
